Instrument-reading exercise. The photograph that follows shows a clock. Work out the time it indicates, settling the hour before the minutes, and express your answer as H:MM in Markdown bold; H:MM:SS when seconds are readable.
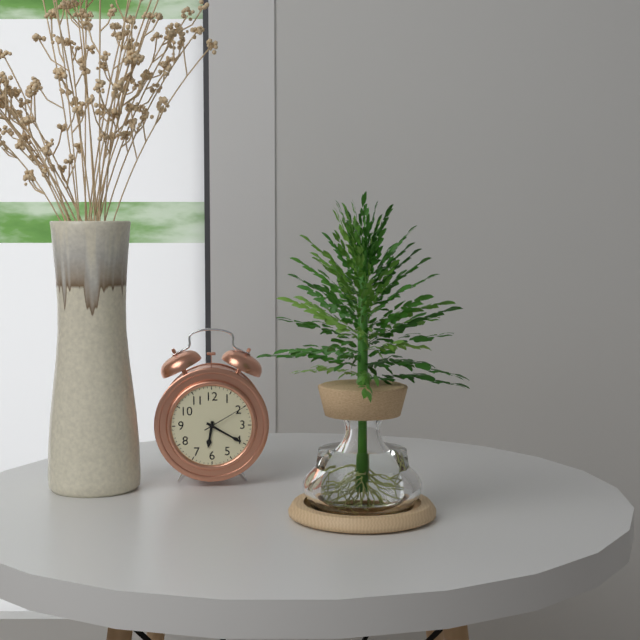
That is **6:20**
